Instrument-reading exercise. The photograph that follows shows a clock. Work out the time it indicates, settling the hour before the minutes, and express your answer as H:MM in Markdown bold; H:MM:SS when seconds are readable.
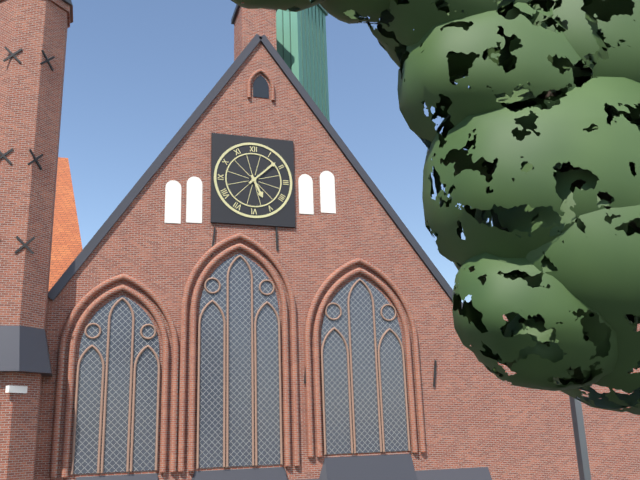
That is **5:08**
